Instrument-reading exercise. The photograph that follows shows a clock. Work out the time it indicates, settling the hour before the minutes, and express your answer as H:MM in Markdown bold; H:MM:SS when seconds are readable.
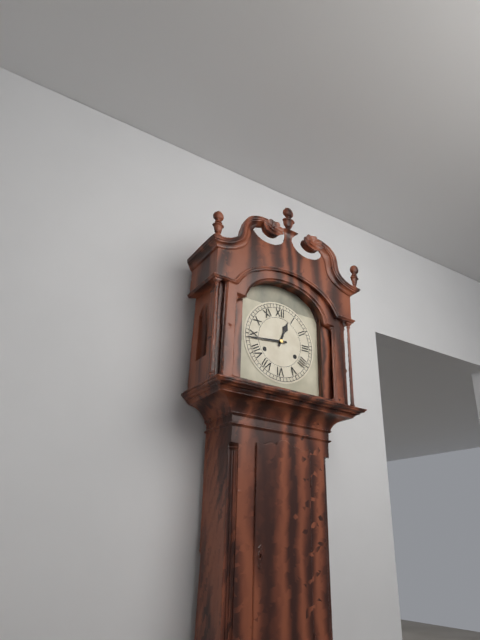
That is **12:44**
